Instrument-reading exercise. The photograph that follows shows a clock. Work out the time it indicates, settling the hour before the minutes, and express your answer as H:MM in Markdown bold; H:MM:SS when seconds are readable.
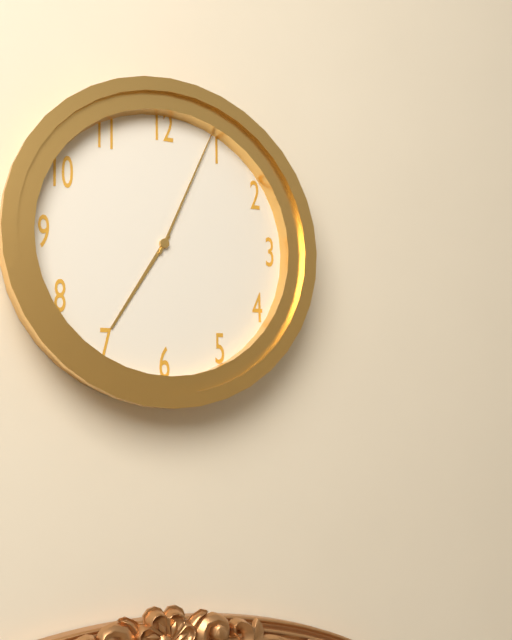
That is **7:04**
